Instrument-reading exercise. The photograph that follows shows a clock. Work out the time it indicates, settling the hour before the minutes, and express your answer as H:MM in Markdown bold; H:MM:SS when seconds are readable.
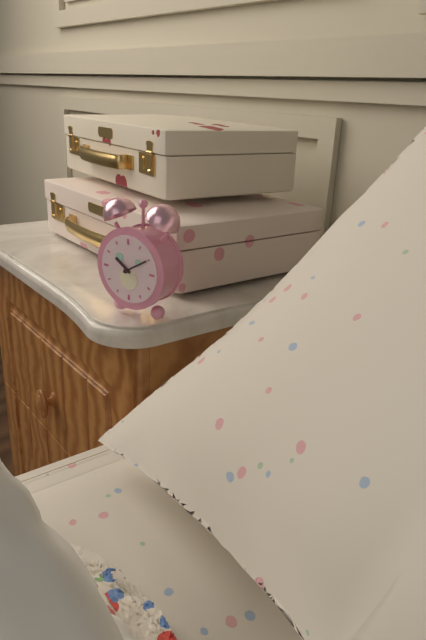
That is **10:10**
